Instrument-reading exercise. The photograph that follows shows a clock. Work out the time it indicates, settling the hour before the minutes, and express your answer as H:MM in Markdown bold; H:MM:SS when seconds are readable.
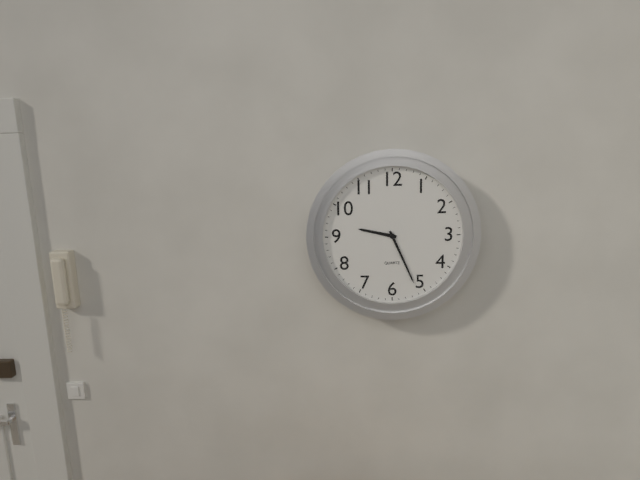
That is **9:26**
